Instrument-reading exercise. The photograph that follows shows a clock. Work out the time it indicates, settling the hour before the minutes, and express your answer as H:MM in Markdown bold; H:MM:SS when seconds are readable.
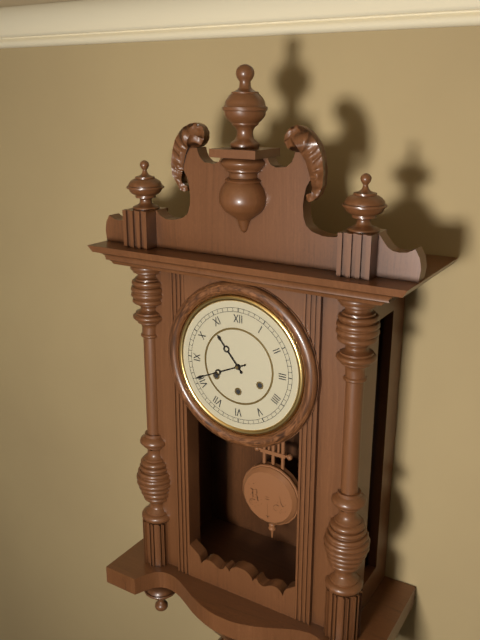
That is **10:41**
